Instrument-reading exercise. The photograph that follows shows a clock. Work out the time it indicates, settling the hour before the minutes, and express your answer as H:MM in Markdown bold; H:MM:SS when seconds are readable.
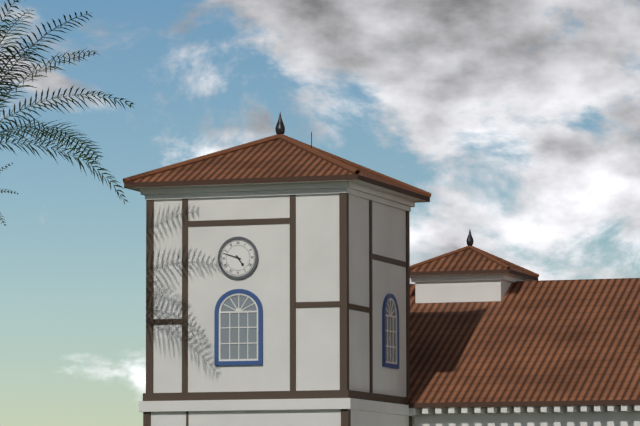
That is **4:48**
